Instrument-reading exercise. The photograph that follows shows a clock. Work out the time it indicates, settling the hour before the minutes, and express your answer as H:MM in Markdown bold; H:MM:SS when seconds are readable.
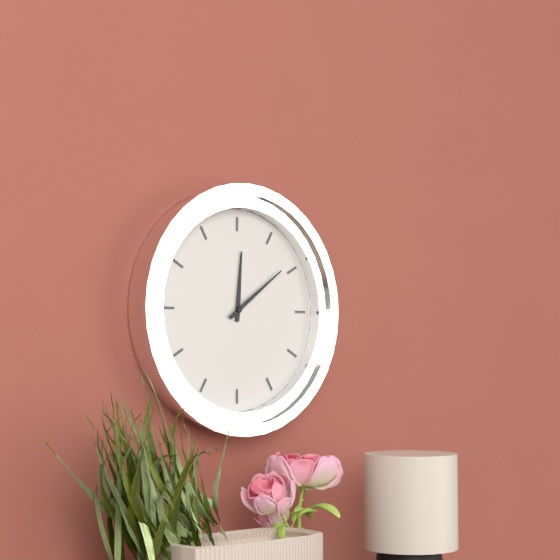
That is **12:09**
